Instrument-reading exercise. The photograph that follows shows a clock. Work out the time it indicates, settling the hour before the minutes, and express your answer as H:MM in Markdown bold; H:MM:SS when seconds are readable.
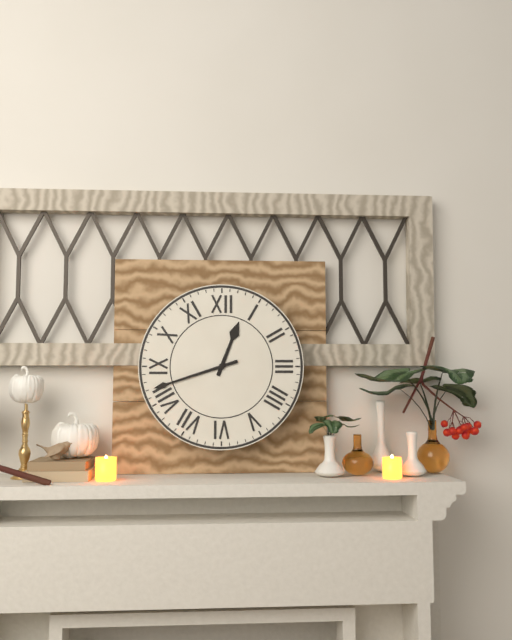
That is **12:42**
